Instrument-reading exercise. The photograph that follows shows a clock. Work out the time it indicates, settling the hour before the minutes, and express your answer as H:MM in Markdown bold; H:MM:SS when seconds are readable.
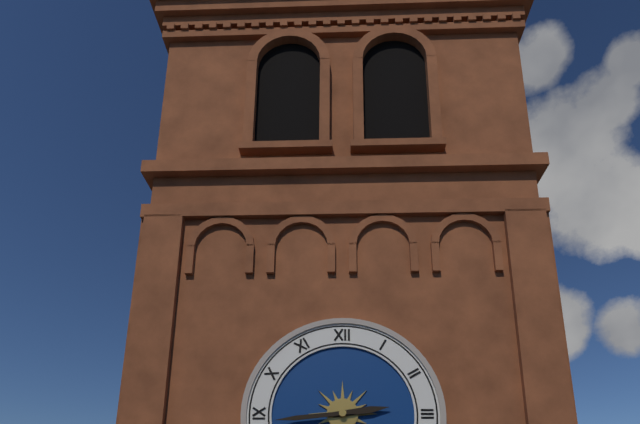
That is **2:44**
